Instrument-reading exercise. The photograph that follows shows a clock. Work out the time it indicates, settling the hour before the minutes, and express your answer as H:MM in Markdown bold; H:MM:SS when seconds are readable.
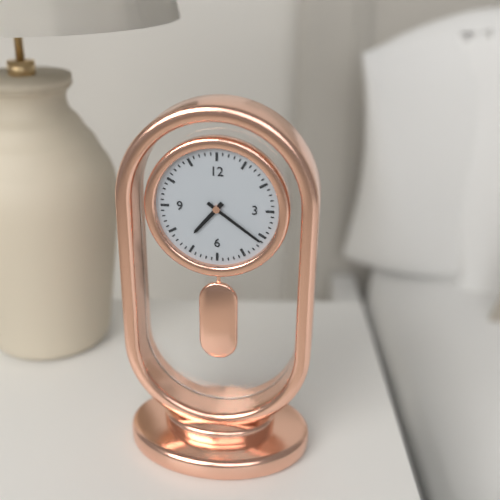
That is **7:21**
